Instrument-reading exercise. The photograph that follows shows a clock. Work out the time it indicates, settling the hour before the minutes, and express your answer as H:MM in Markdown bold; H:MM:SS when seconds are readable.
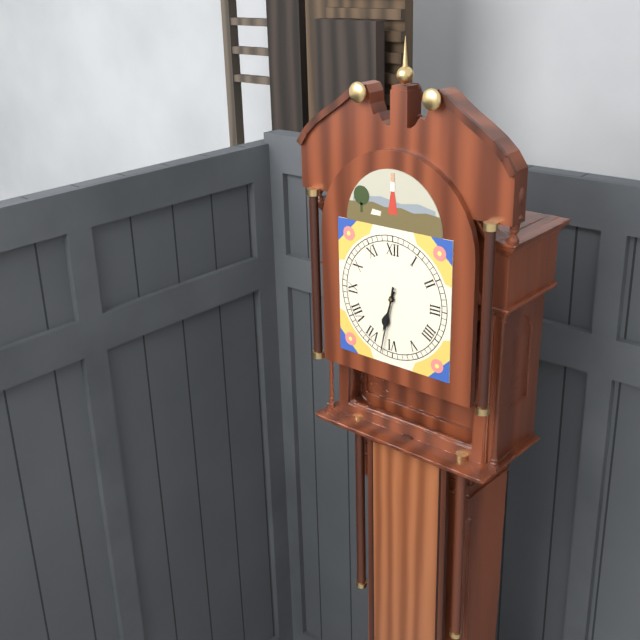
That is **6:32**
